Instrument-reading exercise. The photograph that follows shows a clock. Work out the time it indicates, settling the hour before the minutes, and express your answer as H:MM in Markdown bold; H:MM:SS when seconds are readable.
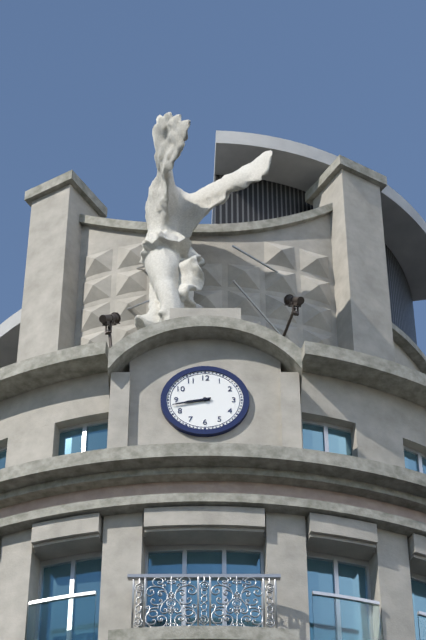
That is **8:43**
